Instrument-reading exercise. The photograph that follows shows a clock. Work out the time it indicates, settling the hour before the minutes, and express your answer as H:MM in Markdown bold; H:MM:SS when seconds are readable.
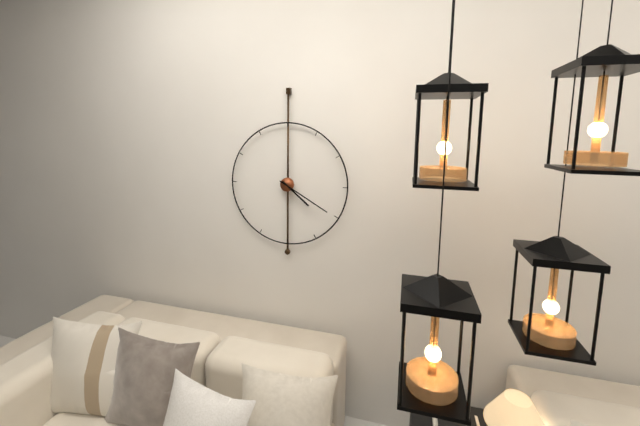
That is **4:20**
